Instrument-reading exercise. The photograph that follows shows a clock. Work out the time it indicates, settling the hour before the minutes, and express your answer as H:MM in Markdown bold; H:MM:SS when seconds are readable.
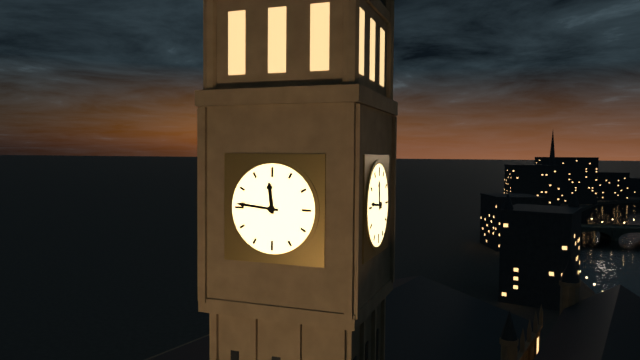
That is **11:46**
